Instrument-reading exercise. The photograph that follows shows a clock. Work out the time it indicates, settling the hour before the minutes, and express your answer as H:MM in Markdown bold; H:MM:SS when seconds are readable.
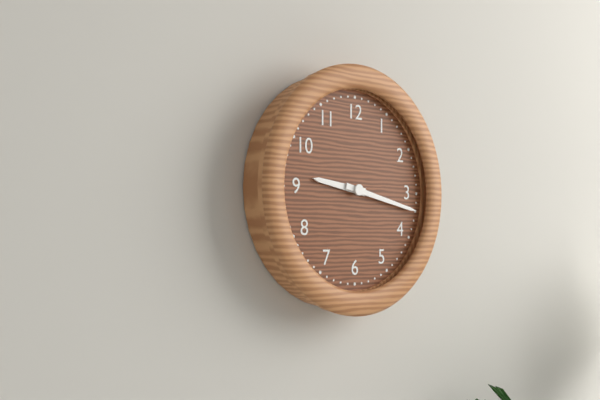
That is **9:17**
